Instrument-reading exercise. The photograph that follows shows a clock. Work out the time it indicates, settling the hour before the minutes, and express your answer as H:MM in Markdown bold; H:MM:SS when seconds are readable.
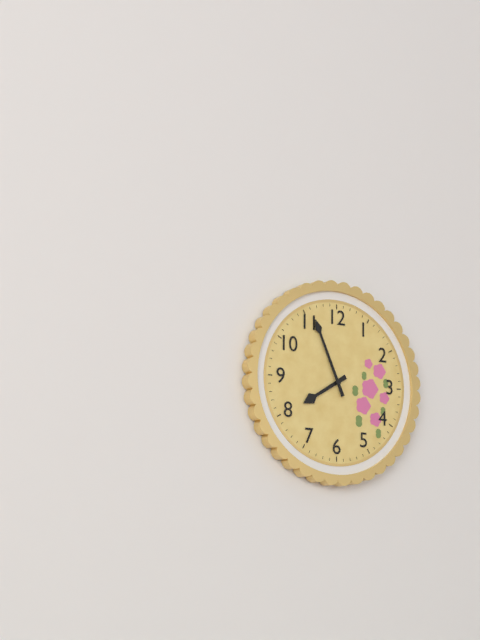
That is **7:56**
